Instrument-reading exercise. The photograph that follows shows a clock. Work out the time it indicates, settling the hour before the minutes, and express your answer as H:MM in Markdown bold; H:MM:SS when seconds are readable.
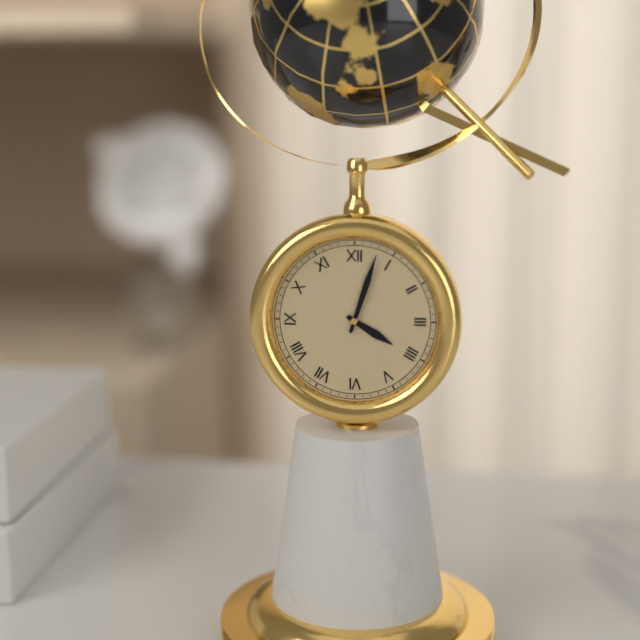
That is **4:03**
